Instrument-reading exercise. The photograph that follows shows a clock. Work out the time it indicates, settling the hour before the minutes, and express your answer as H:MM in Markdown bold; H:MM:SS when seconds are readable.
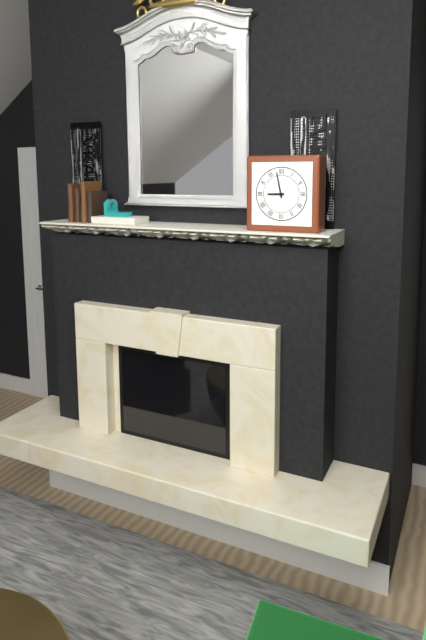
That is **8:58**
